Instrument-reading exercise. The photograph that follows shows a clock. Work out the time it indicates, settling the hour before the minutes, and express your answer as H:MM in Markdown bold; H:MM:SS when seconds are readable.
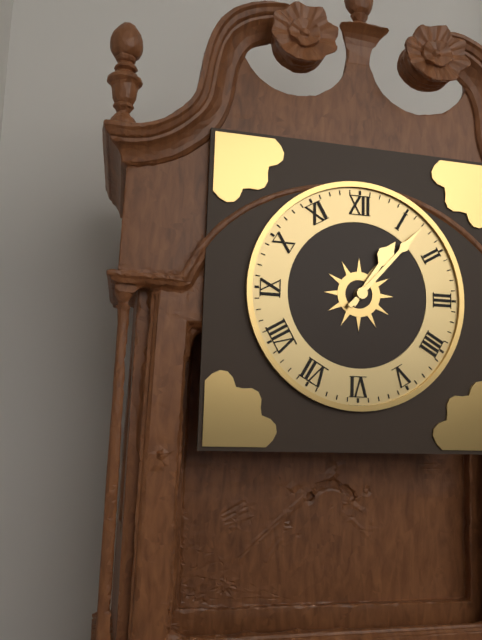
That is **1:07**
